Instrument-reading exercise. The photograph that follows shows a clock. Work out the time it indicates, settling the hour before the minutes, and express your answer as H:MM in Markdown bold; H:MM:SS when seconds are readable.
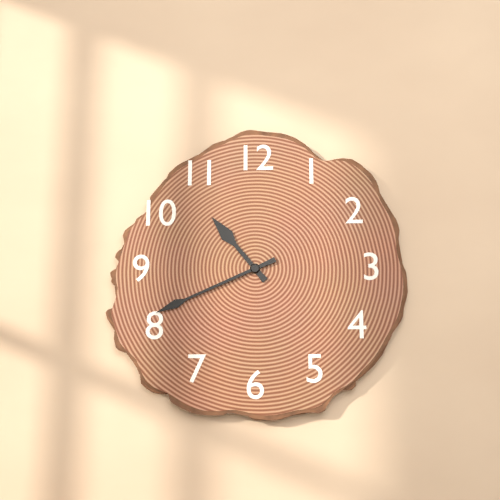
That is **10:41**
